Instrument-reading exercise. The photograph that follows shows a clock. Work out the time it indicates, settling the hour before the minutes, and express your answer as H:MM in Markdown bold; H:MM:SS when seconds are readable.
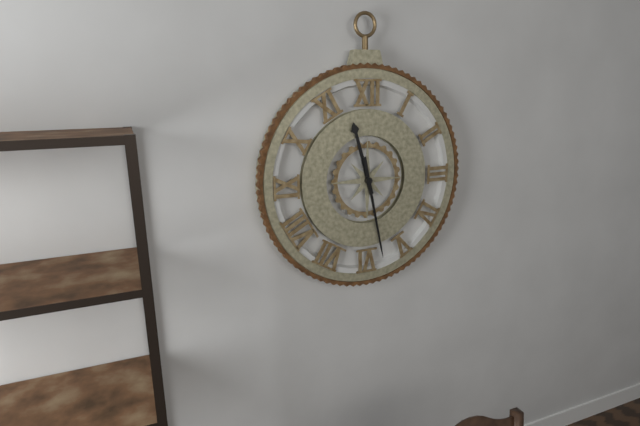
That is **11:28**
